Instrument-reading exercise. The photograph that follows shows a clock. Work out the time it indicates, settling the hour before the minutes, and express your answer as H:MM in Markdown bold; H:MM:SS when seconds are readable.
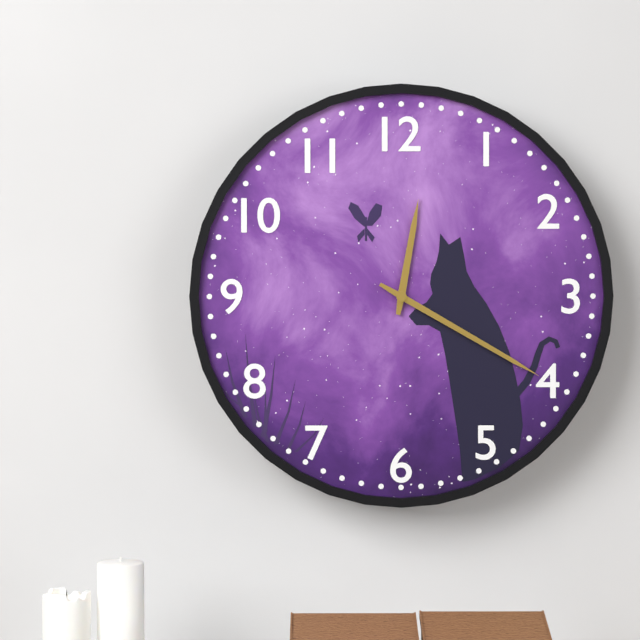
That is **12:20**
